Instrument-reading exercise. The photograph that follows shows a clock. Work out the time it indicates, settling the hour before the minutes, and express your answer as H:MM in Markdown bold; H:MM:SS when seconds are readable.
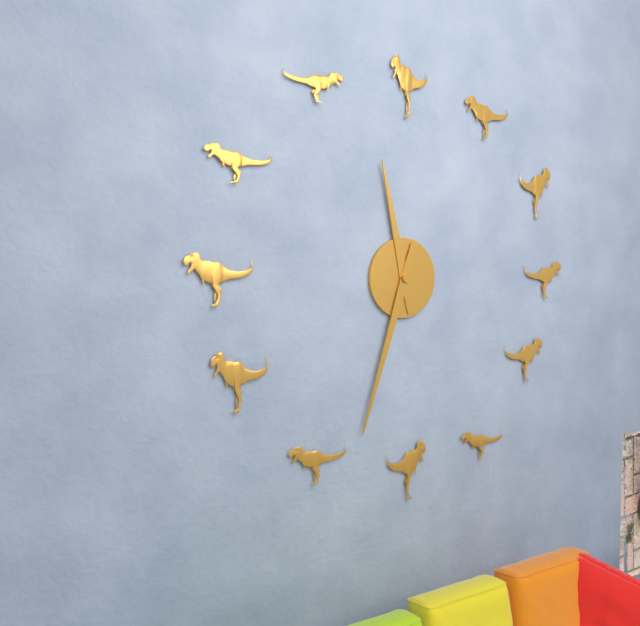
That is **11:33**
